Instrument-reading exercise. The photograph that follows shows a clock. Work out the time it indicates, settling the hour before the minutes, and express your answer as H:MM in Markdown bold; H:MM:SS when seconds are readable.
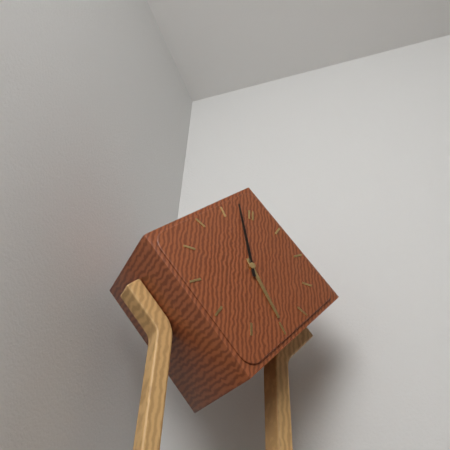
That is **4:58**
